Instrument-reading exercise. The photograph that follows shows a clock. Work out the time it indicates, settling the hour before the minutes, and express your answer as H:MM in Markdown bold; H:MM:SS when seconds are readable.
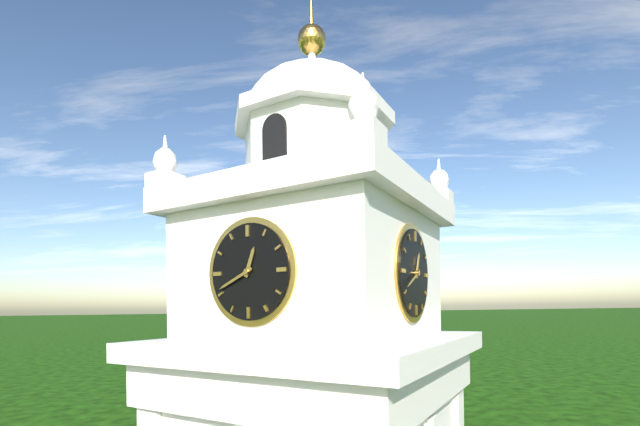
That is **12:41**
